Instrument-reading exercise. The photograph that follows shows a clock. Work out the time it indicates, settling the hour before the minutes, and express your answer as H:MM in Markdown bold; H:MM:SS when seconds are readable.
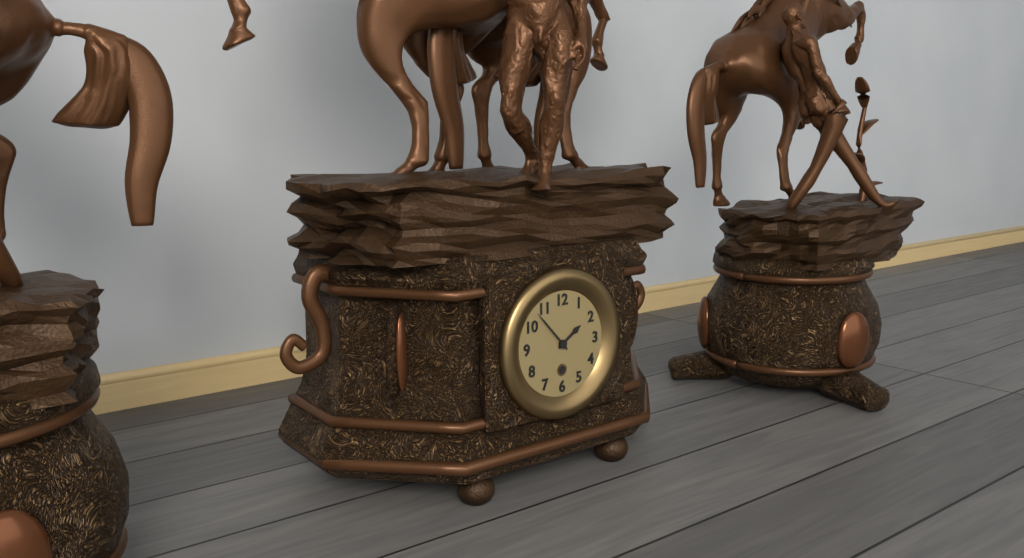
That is **1:53**
